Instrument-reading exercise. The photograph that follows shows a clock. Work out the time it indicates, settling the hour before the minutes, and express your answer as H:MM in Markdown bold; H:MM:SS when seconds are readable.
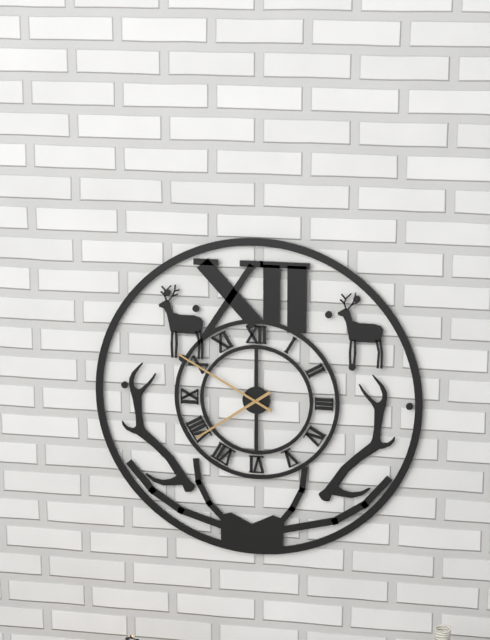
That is **7:50**
